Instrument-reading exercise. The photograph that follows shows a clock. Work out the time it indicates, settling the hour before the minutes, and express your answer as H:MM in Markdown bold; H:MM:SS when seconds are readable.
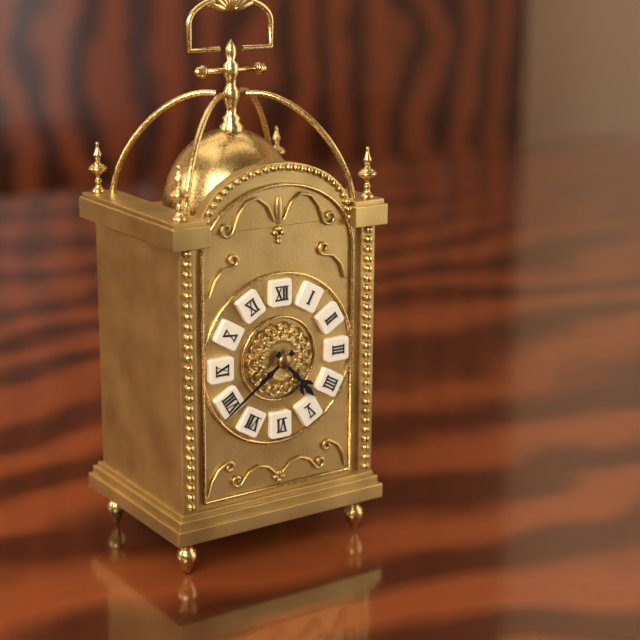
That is **4:39**
